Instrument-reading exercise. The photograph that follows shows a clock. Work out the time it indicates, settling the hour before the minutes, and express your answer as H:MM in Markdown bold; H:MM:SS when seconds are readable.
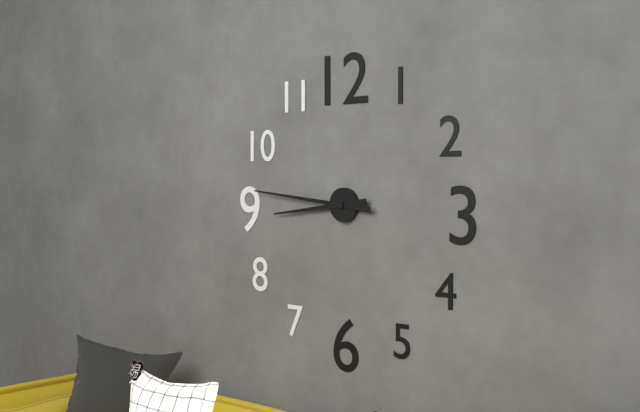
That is **8:46**
